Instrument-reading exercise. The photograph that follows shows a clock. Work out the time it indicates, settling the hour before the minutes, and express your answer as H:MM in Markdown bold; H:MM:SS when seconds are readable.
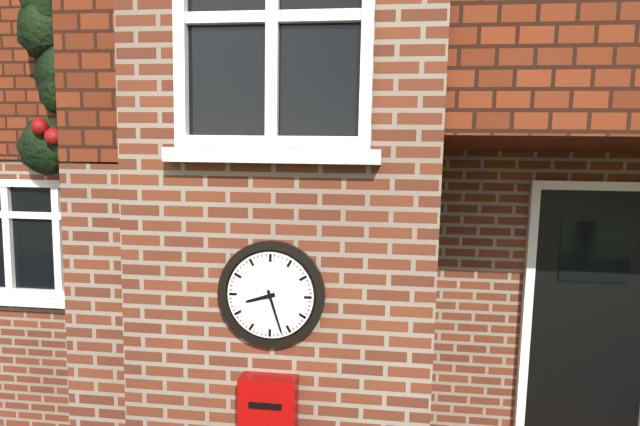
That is **8:27**
